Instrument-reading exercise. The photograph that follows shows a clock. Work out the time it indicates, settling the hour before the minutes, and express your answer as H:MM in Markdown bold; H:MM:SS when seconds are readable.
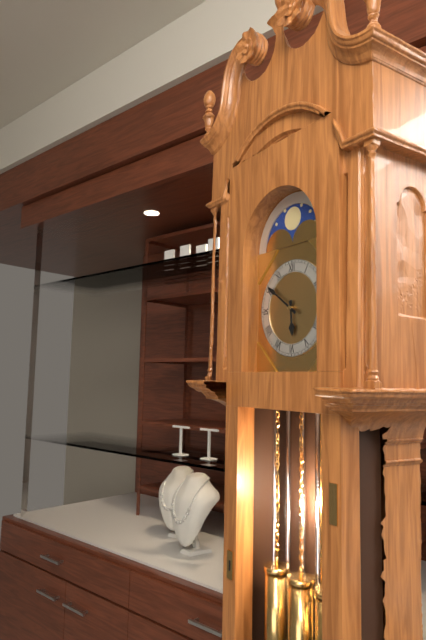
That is **5:51**
